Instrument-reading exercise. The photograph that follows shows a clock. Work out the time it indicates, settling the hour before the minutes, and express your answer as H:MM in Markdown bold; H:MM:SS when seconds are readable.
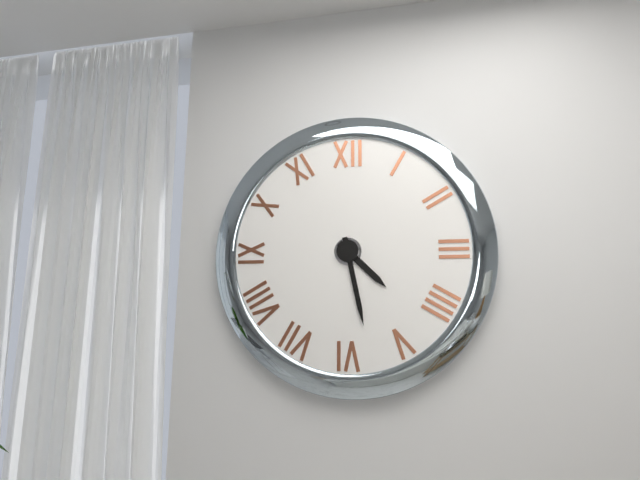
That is **4:28**
